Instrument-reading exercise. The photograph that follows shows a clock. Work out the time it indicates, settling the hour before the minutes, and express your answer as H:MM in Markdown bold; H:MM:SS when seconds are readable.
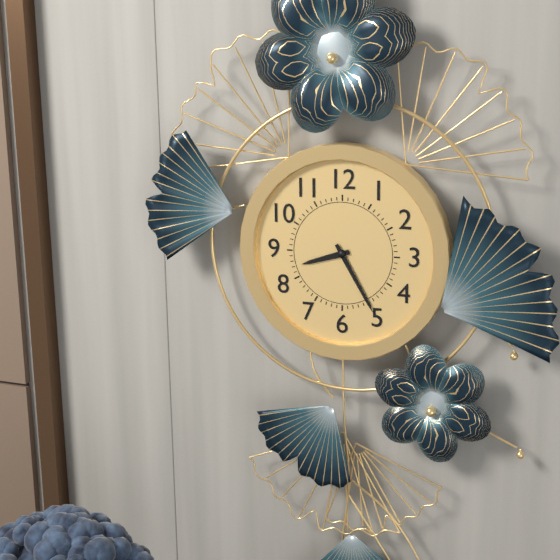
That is **8:25**
